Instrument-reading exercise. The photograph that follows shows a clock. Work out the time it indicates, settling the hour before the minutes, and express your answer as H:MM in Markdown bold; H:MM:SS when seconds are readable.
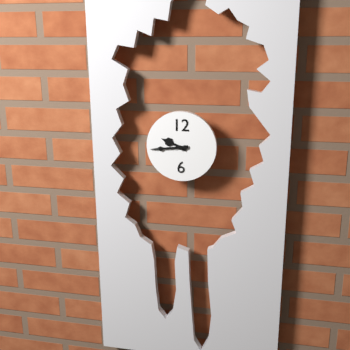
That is **9:44**
